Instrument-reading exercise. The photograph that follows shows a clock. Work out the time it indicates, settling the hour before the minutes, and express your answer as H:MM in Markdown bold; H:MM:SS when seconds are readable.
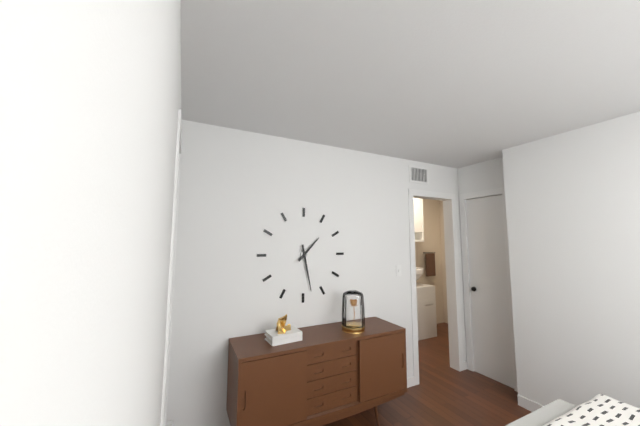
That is **1:28**
